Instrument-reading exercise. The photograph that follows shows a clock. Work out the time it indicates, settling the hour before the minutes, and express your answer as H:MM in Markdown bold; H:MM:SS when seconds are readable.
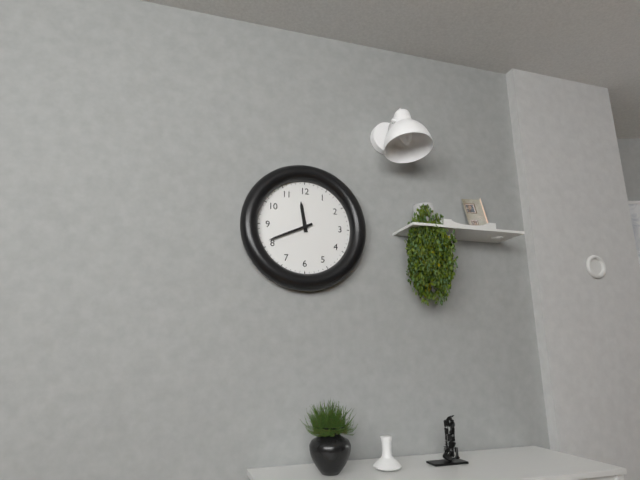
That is **11:41**
